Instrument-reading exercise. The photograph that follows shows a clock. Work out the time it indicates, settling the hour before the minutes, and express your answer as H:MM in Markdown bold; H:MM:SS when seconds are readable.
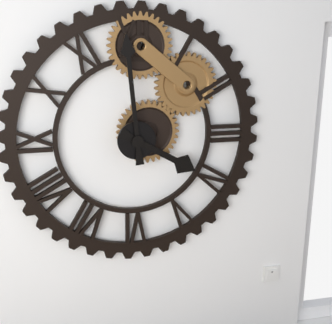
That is **3:59**
